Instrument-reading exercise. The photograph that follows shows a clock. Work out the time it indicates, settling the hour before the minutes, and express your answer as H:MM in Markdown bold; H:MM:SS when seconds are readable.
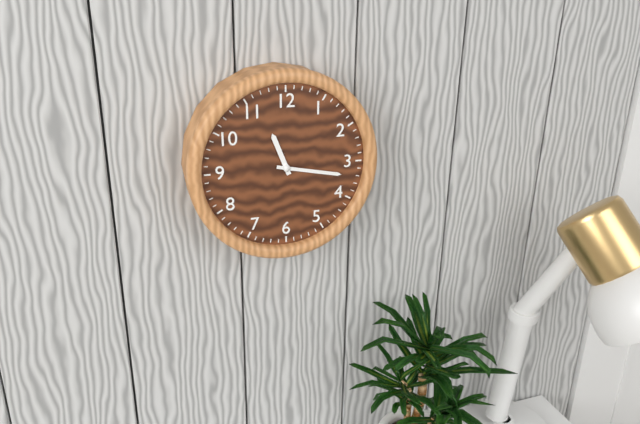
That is **11:17**
